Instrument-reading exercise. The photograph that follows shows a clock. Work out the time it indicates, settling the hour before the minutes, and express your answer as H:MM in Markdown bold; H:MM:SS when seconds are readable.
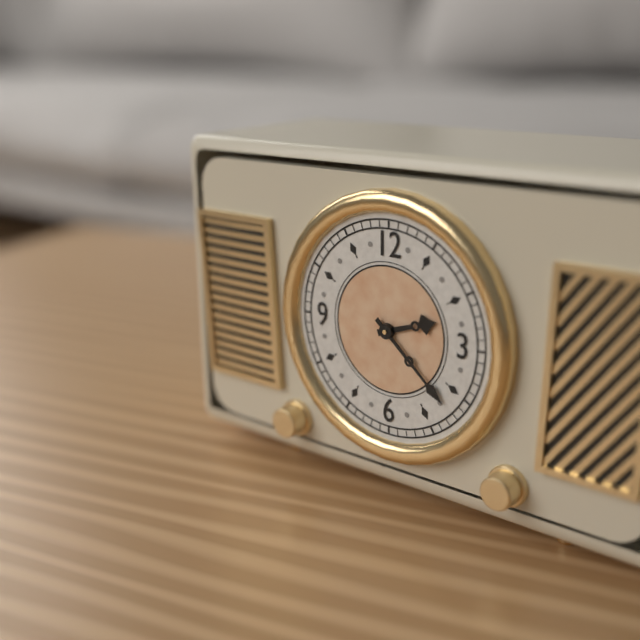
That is **2:22**
